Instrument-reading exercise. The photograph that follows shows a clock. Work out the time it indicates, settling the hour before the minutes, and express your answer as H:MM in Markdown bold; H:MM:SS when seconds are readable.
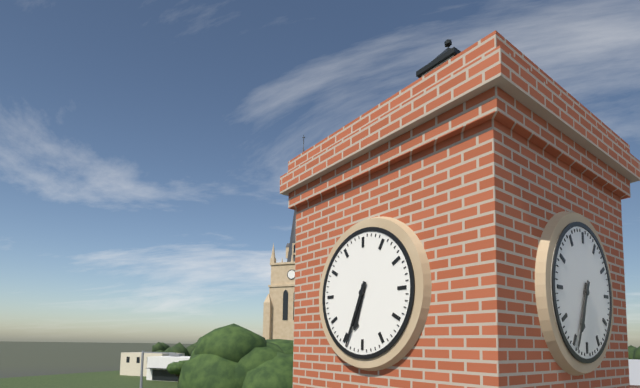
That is **6:34**
